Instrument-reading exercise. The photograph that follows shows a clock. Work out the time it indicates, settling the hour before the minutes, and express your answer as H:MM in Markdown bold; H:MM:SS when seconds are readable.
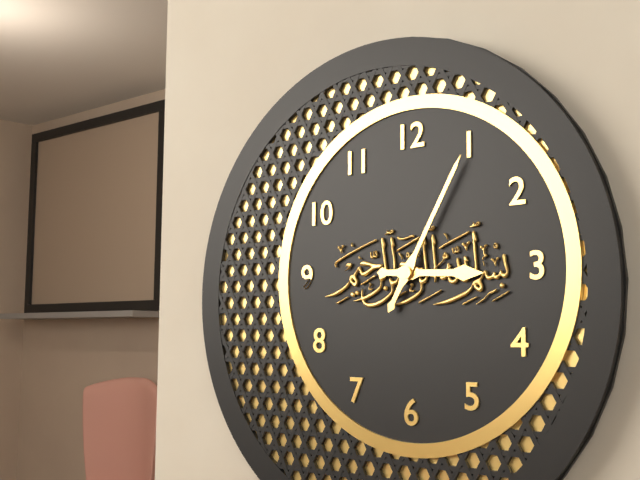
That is **3:05**
